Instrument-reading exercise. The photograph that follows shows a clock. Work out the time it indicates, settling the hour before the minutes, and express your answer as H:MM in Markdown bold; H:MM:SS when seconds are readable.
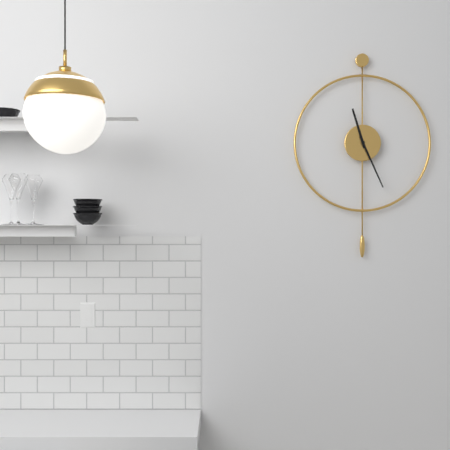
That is **11:26**
